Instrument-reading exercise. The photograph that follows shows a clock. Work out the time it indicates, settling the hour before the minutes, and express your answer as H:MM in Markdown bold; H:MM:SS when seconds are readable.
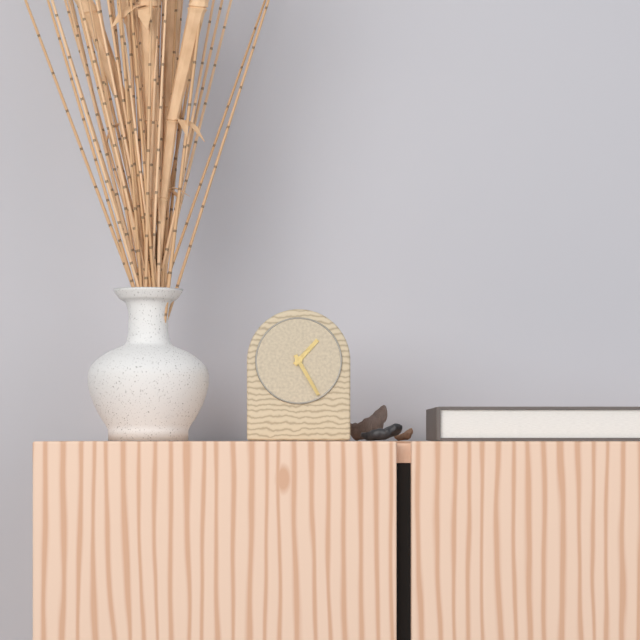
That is **1:25**
